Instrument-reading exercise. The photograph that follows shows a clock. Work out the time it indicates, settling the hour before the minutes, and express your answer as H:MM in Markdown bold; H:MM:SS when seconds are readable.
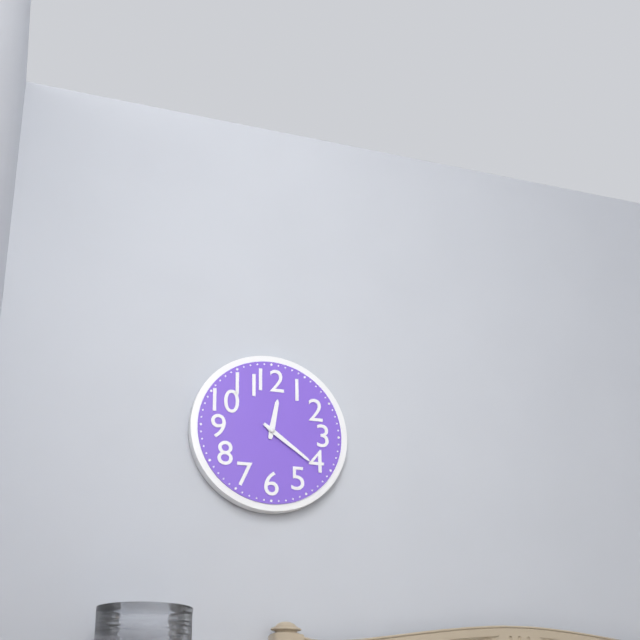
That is **12:21**
